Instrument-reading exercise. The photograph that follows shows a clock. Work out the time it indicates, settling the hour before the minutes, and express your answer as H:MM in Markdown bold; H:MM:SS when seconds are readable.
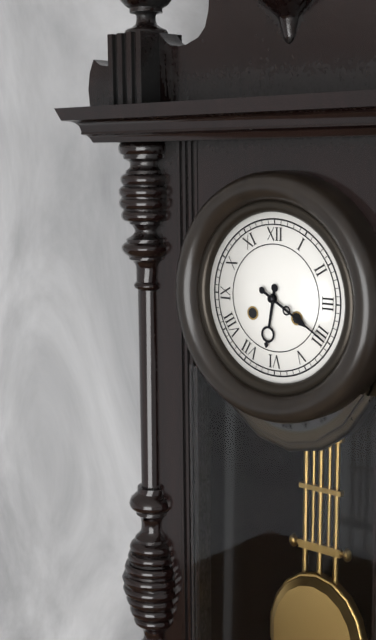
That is **6:20**
